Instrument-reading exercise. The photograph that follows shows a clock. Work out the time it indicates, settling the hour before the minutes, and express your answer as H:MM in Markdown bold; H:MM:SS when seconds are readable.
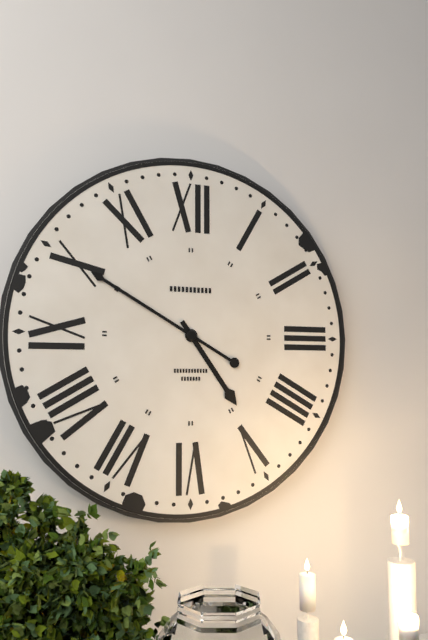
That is **4:50**
